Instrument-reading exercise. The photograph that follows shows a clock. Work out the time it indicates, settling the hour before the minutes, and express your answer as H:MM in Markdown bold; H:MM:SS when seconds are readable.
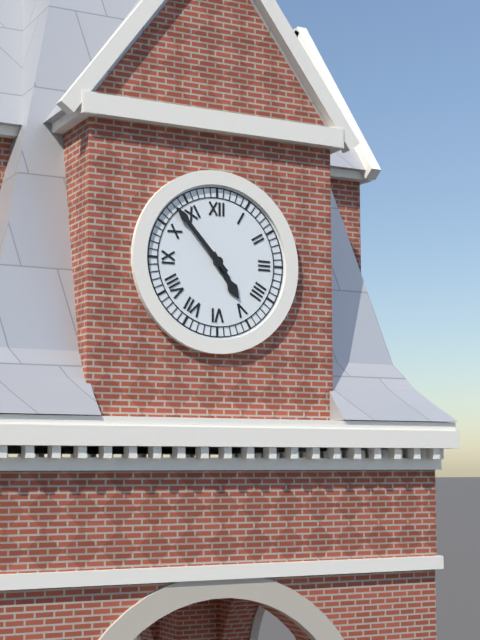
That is **4:53**
